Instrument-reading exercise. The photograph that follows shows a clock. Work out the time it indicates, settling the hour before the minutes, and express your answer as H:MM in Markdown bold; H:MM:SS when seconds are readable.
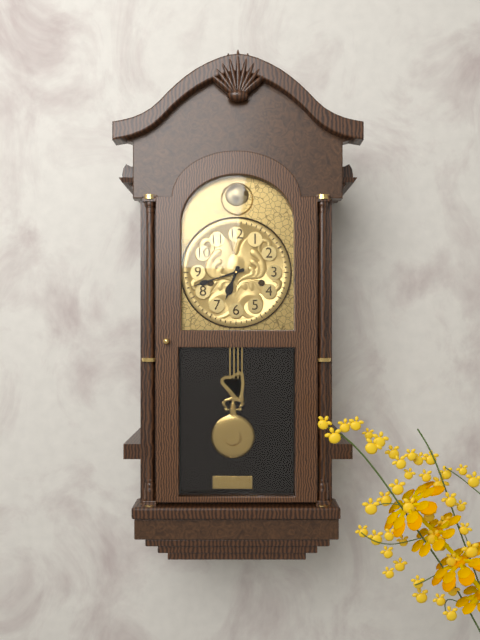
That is **6:42**
